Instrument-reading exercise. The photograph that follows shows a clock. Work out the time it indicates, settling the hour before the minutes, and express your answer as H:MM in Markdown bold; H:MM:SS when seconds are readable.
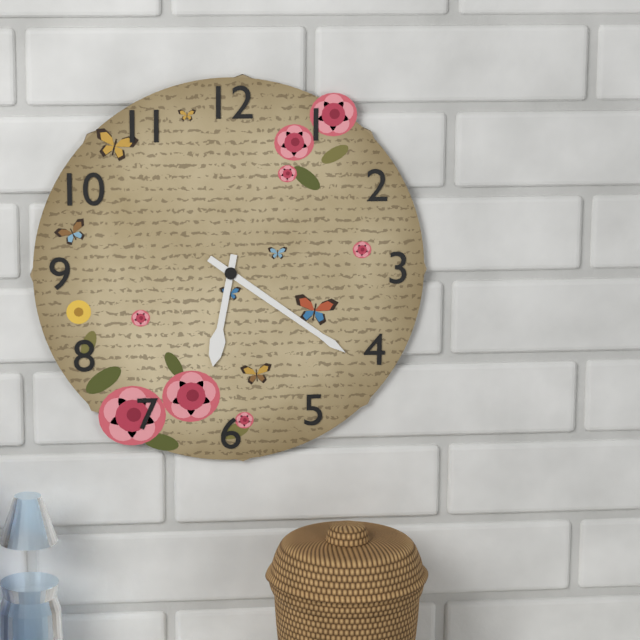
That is **6:21**
